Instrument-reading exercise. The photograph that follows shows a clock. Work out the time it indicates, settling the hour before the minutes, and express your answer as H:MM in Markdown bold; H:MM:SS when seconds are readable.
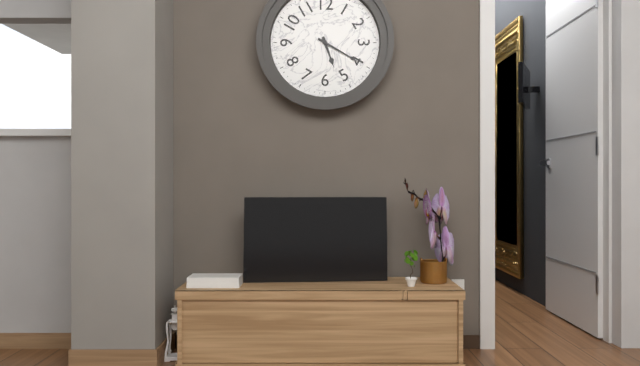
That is **5:20**
